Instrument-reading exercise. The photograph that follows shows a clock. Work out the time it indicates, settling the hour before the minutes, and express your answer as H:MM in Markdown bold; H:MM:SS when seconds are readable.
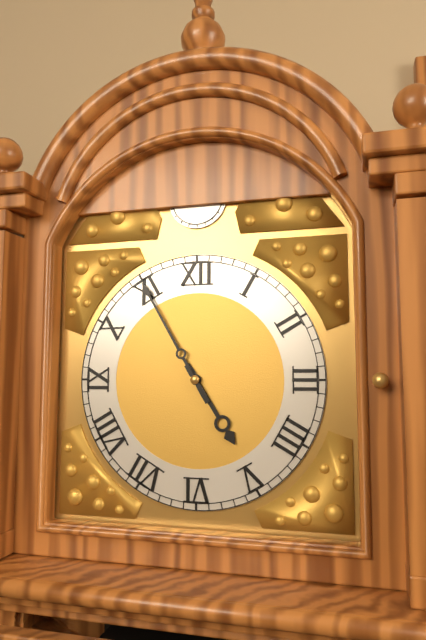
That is **4:55**
